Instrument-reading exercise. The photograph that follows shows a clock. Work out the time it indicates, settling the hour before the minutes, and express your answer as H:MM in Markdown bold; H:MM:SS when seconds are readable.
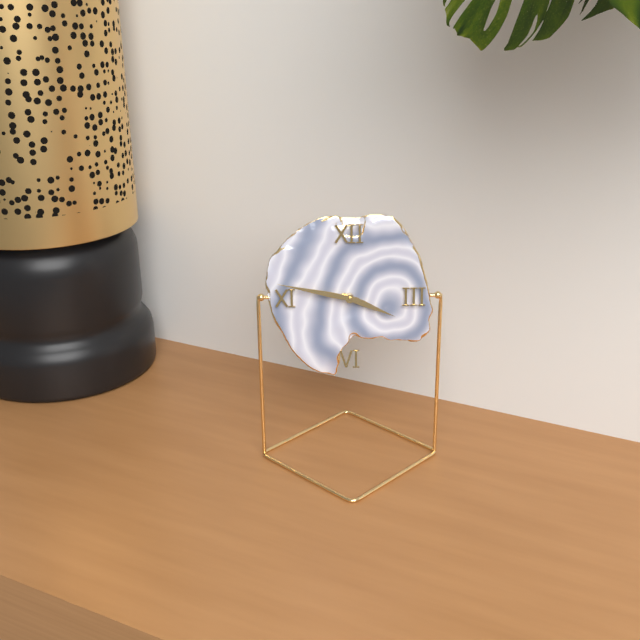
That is **3:47**
